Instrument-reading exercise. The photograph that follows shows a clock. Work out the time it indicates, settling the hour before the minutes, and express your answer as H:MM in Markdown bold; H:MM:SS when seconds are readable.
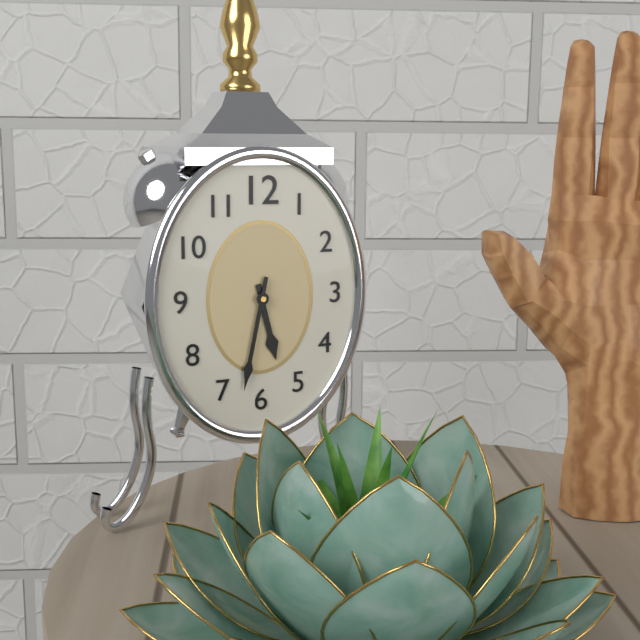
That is **5:32**
